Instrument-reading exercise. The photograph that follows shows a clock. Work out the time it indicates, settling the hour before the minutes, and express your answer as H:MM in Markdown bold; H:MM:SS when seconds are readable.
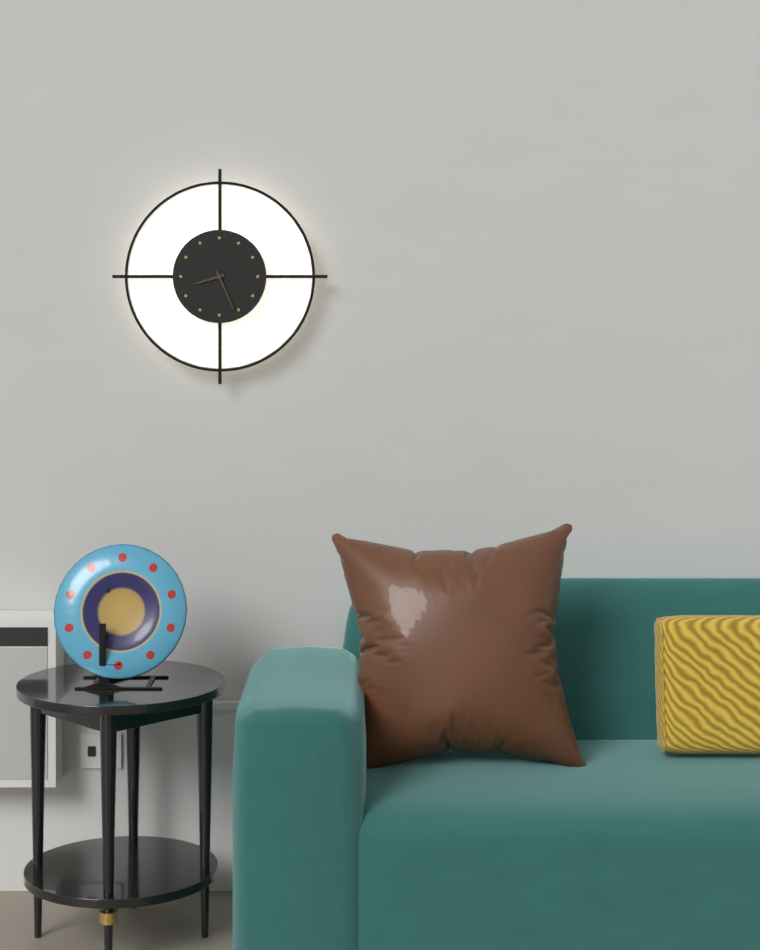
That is **8:26**
